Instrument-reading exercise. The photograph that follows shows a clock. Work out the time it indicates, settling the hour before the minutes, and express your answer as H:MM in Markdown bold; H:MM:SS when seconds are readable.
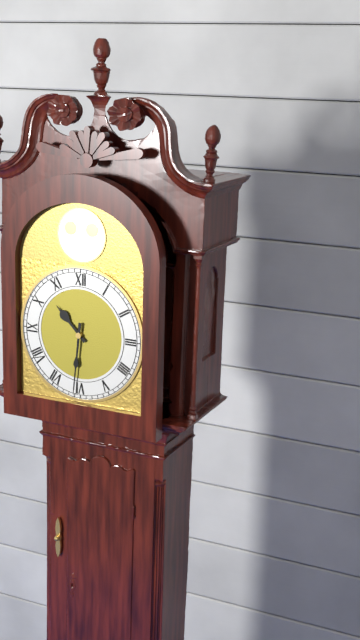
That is **10:31**
